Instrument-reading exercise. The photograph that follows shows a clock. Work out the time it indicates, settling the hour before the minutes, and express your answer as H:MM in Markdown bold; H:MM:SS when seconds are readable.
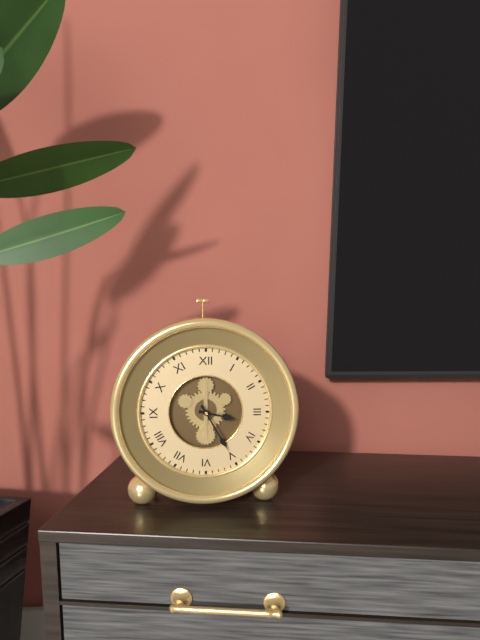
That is **3:25**
